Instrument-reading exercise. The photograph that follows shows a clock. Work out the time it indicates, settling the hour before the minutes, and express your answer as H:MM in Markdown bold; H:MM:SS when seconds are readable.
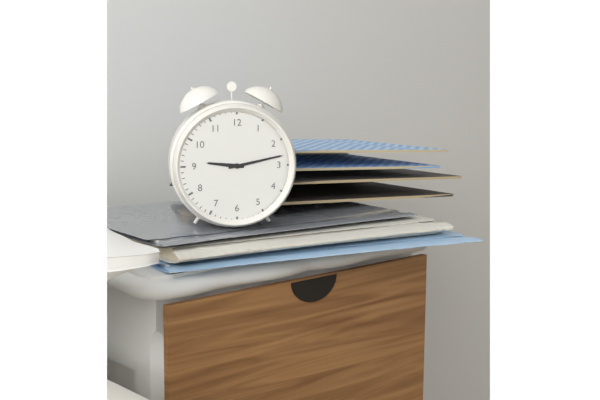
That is **9:13**
